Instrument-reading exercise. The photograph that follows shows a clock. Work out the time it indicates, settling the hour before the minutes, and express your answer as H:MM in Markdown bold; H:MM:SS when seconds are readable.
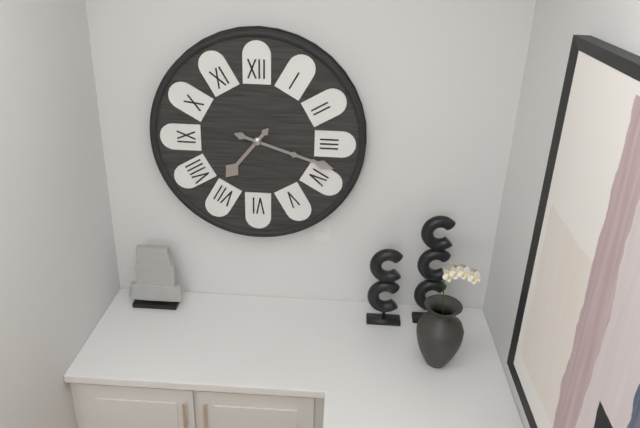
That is **7:18**
